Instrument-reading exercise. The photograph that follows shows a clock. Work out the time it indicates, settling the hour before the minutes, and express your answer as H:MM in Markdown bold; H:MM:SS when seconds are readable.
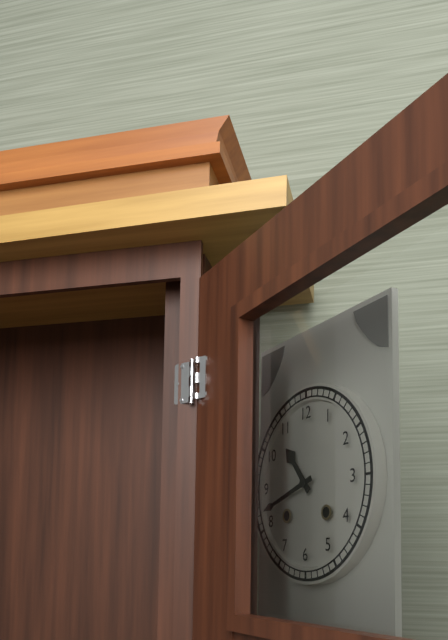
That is **10:42**
